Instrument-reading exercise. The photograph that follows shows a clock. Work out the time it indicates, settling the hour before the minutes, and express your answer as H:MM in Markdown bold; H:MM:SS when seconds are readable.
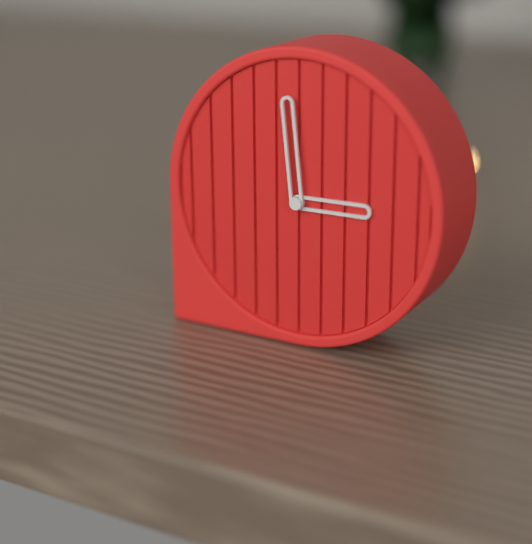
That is **2:59**
